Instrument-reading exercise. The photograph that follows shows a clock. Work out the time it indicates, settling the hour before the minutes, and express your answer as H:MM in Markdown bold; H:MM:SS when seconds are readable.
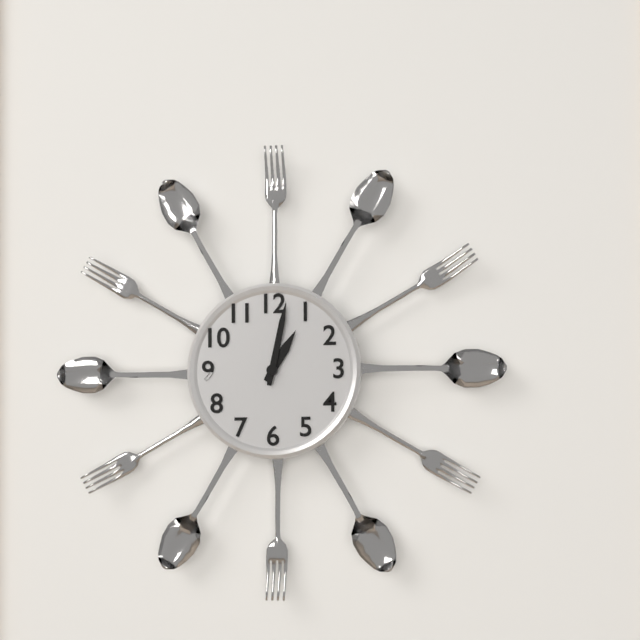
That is **1:02**
